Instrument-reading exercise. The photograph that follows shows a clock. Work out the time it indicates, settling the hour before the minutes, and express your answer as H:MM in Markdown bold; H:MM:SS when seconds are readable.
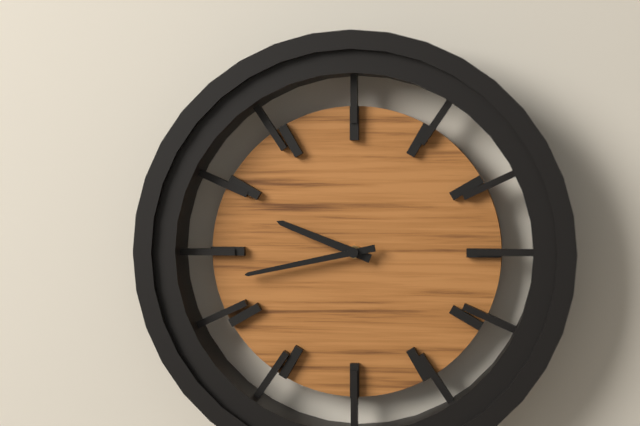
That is **9:43**
